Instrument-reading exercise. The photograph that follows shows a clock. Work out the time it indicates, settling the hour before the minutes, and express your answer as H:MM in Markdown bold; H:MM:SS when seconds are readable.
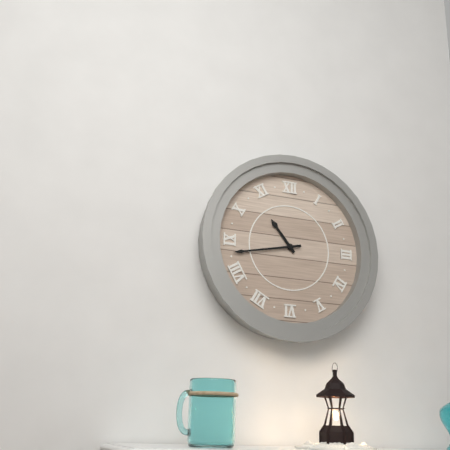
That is **10:43**
